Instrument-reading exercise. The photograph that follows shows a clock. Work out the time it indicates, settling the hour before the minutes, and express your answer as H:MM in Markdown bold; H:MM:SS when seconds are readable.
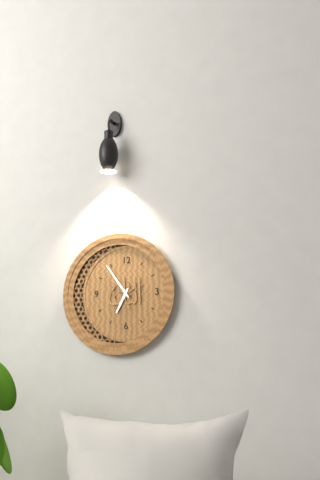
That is **6:54**
